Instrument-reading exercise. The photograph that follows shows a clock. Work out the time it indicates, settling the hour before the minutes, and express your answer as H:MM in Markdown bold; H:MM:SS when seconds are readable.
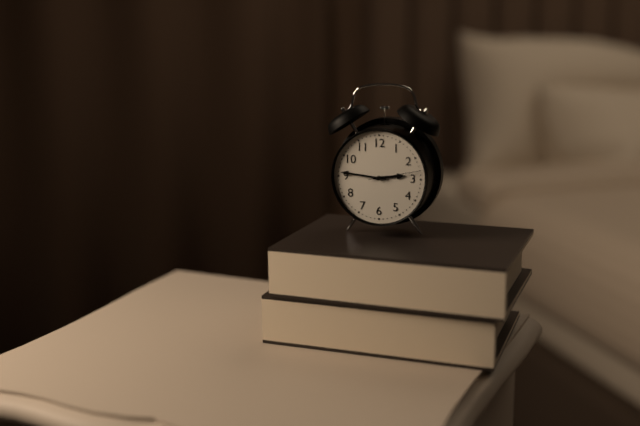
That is **2:46**
